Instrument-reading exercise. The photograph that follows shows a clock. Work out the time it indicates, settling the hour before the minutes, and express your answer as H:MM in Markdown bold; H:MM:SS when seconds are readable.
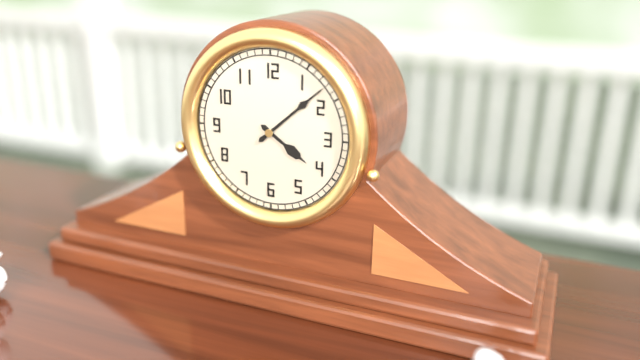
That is **4:08**
